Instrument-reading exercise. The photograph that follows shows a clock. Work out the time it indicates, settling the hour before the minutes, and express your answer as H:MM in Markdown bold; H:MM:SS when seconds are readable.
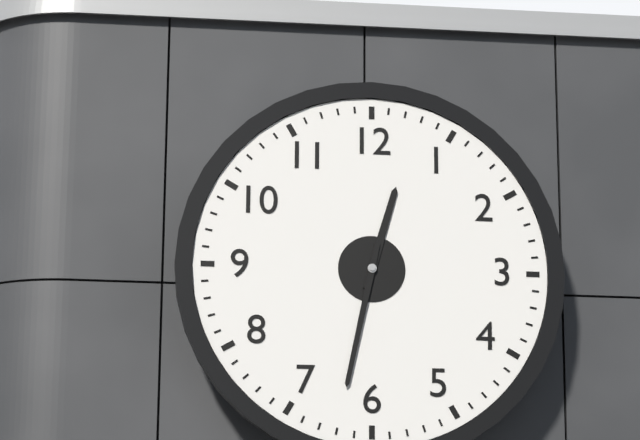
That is **12:32**
